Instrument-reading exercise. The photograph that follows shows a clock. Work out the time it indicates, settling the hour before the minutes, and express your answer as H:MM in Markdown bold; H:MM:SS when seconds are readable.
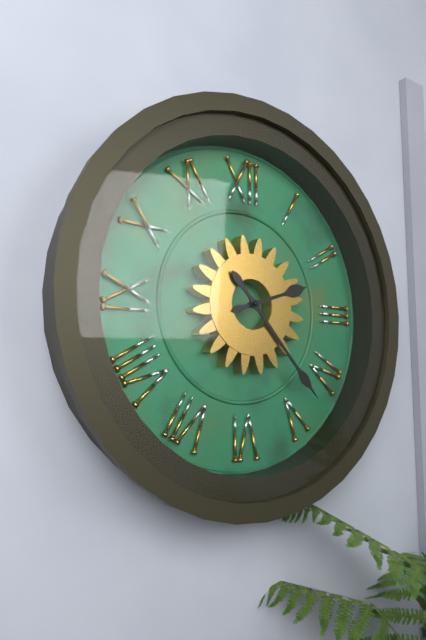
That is **2:23**
